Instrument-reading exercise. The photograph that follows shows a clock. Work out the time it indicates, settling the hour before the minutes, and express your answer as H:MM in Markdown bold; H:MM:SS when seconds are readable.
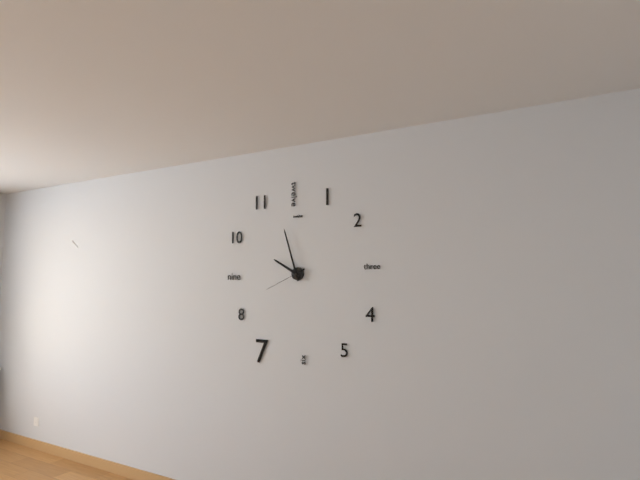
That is **9:57**
